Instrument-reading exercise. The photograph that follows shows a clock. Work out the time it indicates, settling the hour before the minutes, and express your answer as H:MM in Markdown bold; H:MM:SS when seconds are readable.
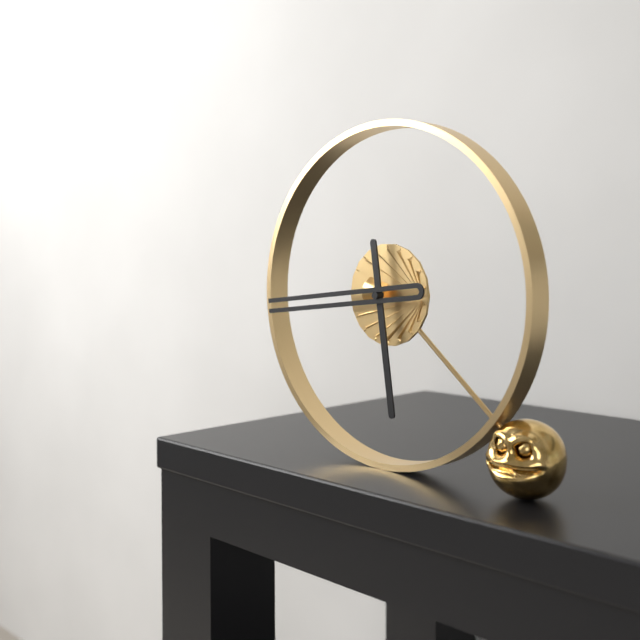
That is **5:44**
